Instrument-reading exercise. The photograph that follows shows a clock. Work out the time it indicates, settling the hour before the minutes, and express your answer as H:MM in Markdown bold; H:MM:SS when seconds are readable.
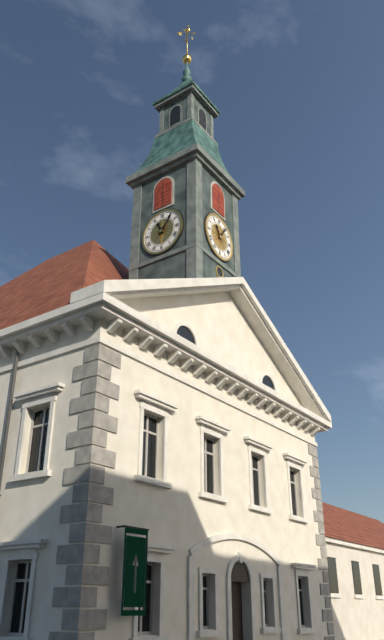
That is **11:06**
